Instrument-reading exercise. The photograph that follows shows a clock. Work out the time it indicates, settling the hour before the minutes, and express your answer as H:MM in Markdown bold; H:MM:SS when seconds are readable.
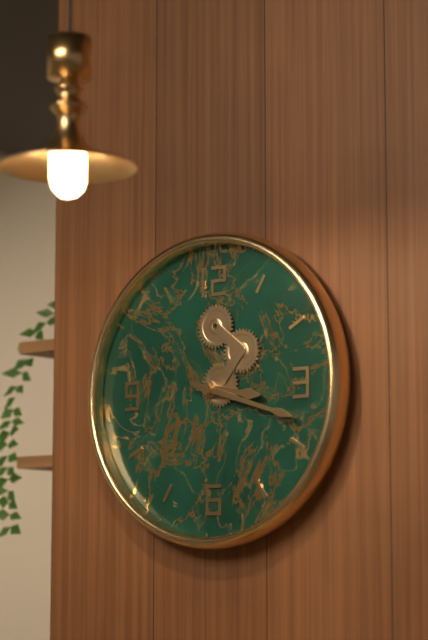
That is **3:18**
